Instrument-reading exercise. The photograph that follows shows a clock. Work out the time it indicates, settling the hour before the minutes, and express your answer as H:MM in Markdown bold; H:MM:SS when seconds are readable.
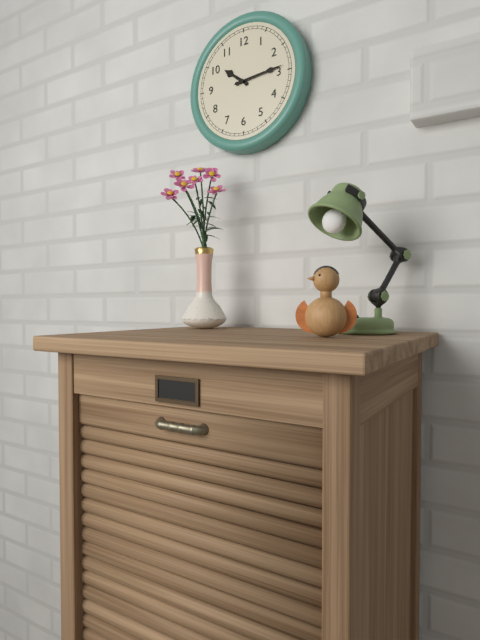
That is **10:14**
